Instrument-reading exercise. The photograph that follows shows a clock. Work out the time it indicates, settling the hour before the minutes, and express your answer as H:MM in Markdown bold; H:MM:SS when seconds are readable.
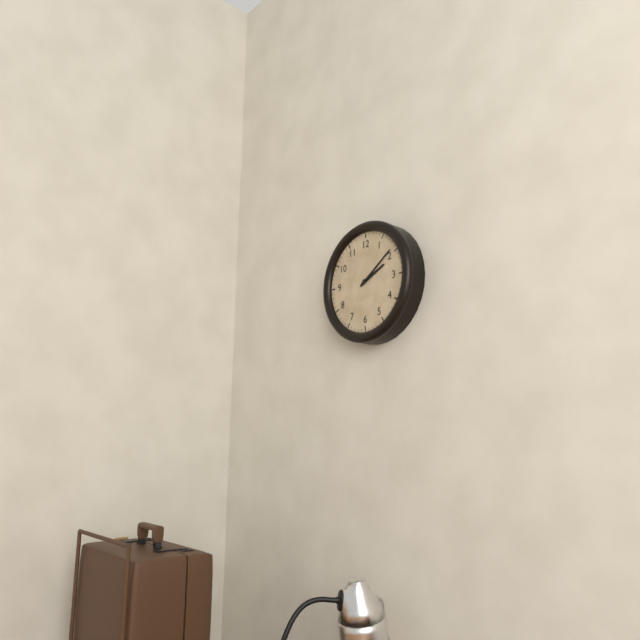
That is **2:09**
